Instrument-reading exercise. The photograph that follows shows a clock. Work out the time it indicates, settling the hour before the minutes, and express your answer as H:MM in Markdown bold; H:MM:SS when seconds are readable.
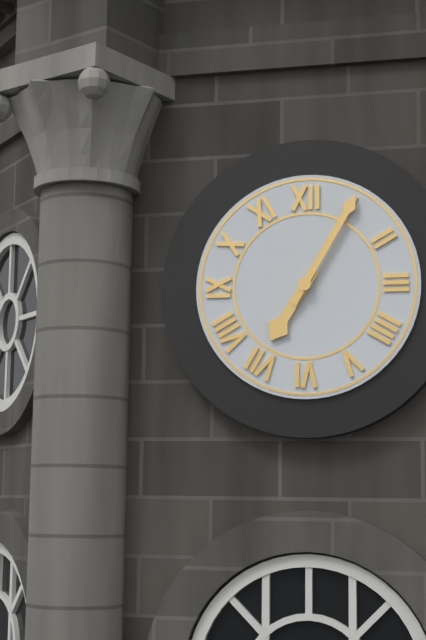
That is **7:05**
